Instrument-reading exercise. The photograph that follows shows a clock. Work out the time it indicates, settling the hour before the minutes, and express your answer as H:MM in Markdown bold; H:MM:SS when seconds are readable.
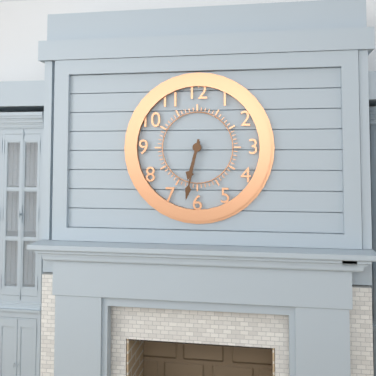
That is **6:32**
